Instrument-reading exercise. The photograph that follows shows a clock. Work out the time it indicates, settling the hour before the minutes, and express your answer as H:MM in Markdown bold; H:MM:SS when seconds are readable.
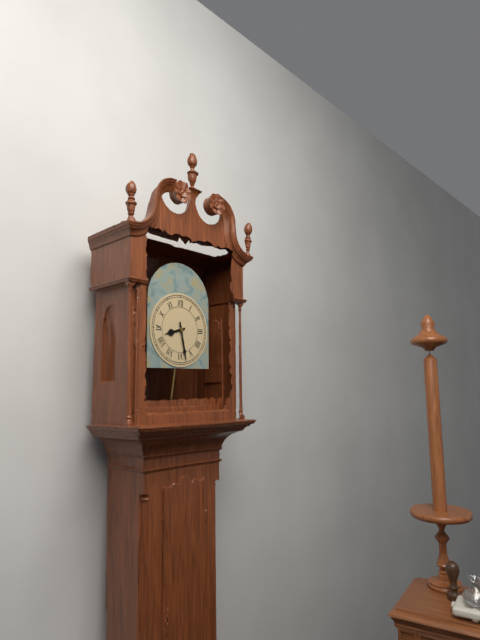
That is **8:28**
